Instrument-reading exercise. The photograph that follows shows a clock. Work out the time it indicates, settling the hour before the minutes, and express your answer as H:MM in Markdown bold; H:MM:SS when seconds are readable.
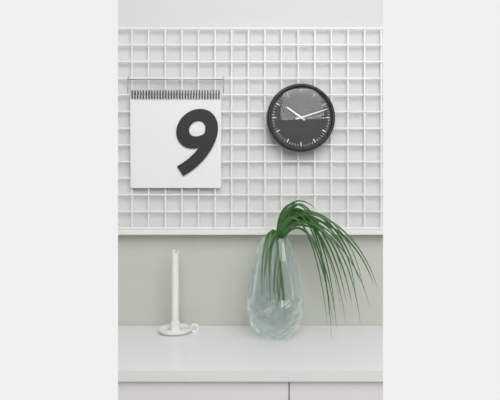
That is **10:12**
